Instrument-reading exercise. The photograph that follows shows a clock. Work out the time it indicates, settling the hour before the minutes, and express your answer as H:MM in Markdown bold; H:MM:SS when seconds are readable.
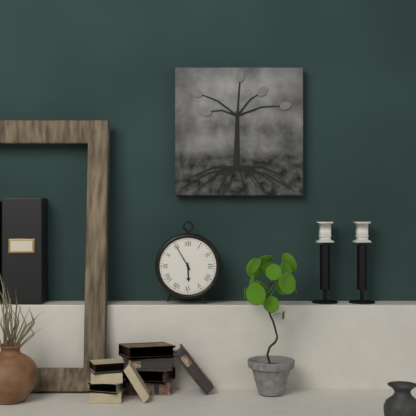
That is **5:55**
